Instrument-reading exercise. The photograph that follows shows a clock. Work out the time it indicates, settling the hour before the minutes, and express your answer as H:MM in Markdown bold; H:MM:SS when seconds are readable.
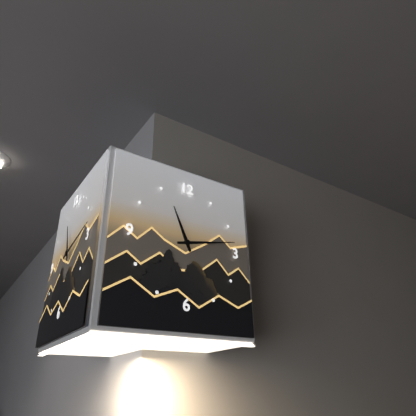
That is **11:13**
